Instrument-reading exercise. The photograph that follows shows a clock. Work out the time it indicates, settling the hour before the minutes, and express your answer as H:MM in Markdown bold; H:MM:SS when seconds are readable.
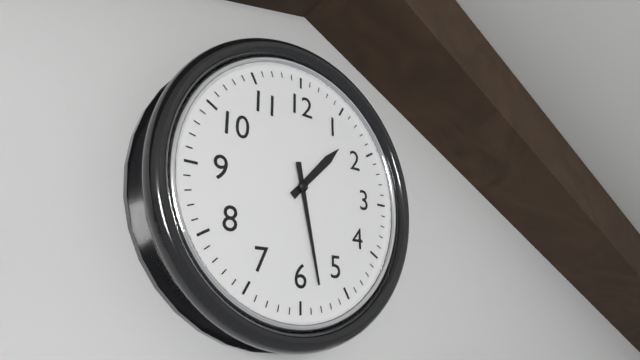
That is **1:28**
